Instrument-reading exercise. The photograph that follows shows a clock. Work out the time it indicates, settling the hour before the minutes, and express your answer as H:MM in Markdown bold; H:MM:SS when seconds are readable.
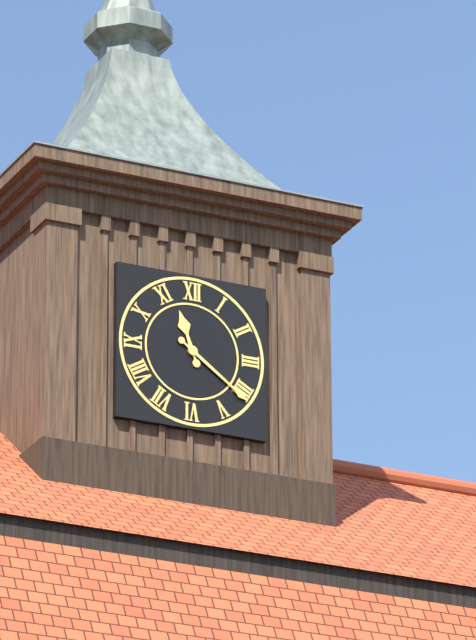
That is **11:21**
